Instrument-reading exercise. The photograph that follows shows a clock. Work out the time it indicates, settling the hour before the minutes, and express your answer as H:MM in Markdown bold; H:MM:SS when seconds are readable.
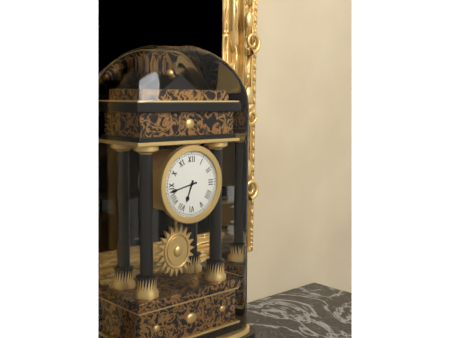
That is **6:43**
